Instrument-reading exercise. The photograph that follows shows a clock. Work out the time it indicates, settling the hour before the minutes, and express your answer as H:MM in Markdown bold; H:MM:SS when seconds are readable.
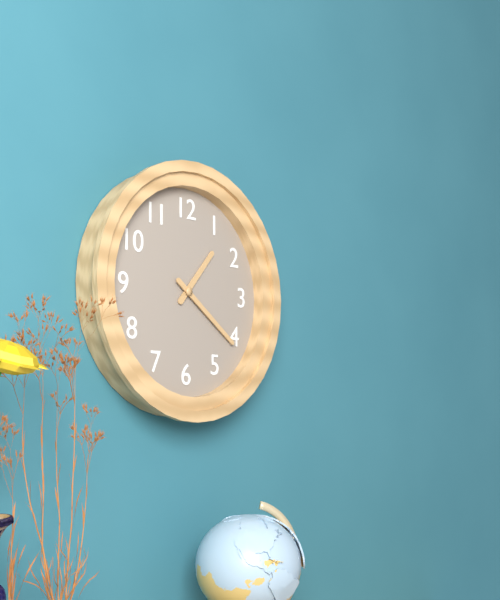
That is **1:21**
